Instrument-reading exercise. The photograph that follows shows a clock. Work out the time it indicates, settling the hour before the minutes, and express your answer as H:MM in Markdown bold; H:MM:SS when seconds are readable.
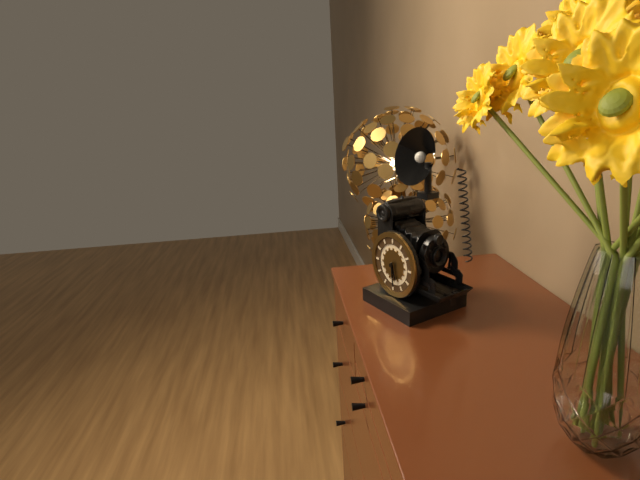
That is **5:29**
